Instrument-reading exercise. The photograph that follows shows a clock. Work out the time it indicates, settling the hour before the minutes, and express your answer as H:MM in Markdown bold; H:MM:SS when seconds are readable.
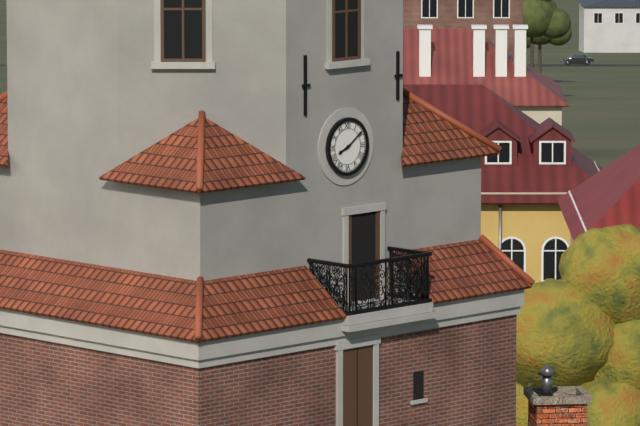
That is **8:09**
